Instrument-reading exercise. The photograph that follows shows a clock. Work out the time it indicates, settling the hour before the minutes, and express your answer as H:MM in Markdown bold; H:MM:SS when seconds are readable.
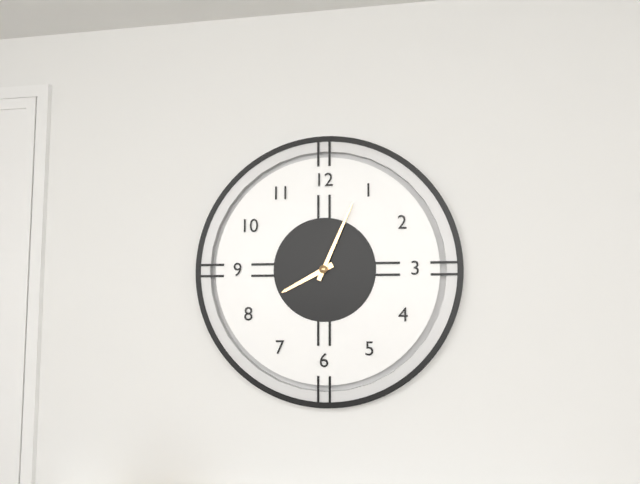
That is **8:04**
